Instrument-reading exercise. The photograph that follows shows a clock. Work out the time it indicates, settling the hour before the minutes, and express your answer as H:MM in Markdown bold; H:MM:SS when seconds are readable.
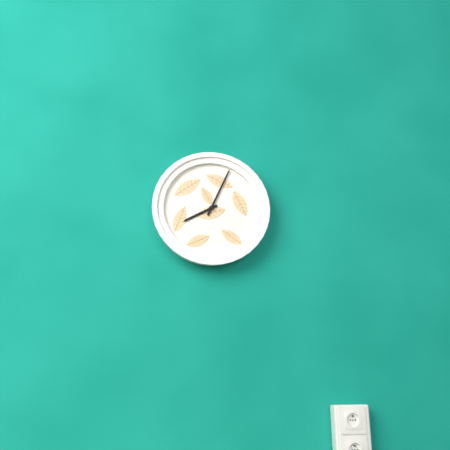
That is **8:04**
